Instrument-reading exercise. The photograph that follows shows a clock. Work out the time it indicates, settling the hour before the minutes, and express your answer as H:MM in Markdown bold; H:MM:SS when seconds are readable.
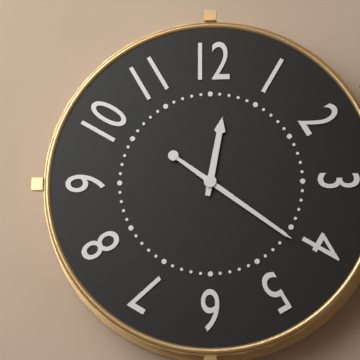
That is **12:21**
